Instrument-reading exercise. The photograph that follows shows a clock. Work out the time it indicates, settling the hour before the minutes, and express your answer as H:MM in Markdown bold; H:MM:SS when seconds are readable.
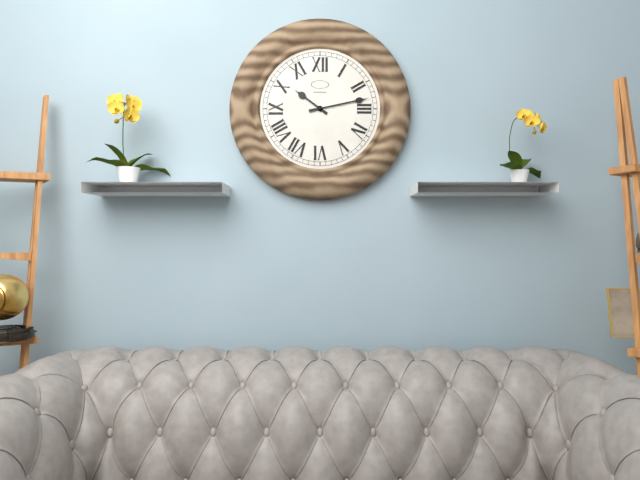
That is **10:13**
